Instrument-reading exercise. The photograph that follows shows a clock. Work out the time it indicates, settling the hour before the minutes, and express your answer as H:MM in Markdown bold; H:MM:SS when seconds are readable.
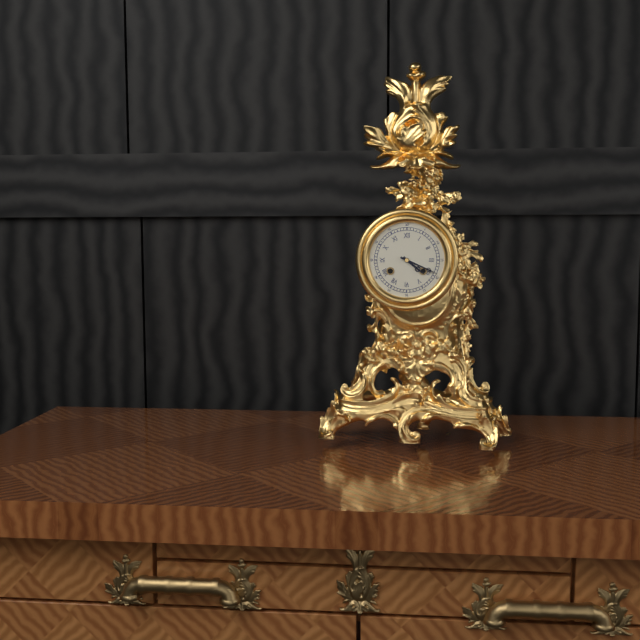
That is **4:19**
